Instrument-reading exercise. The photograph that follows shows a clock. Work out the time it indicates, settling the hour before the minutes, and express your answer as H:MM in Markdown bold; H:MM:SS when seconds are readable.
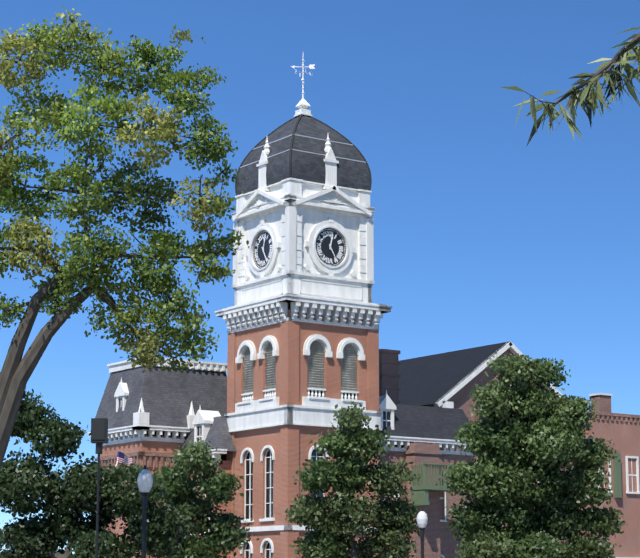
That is **12:25**
